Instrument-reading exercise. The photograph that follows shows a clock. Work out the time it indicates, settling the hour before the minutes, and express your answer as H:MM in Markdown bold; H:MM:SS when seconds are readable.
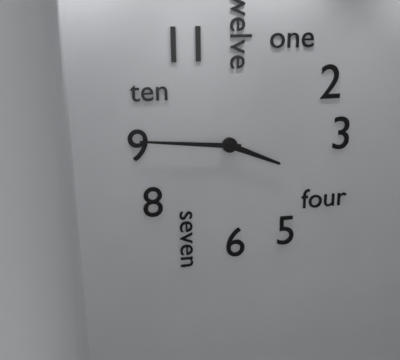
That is **3:46**
